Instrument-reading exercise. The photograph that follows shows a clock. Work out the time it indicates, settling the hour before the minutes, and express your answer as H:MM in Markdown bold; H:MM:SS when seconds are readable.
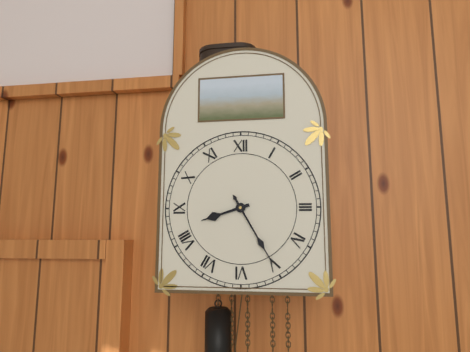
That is **8:25**
